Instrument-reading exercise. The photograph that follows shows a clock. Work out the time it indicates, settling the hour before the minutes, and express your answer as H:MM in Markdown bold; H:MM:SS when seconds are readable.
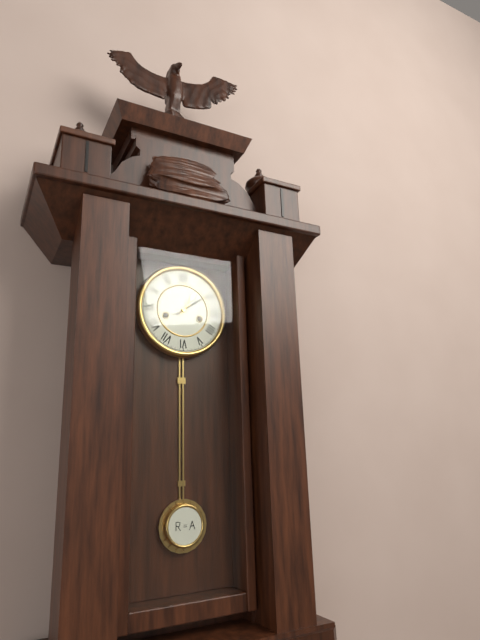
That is **1:09**
